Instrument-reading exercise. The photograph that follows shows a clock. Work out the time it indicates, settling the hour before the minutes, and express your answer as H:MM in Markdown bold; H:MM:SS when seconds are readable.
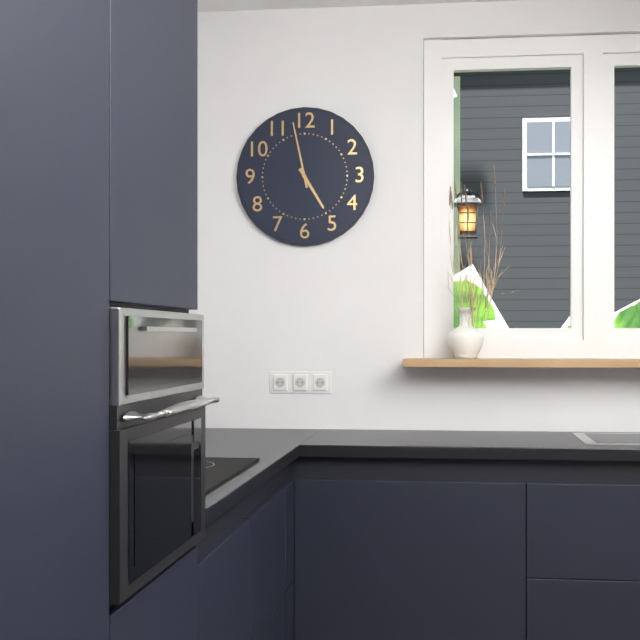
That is **4:58**
